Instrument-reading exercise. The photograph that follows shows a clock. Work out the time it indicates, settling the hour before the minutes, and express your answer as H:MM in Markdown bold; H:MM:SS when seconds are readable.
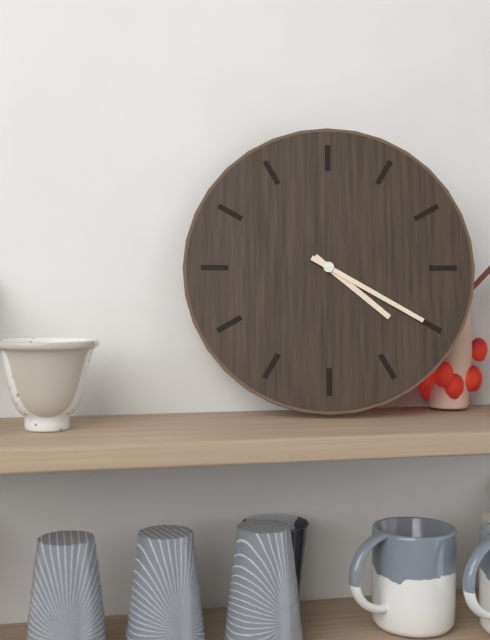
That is **4:20**
